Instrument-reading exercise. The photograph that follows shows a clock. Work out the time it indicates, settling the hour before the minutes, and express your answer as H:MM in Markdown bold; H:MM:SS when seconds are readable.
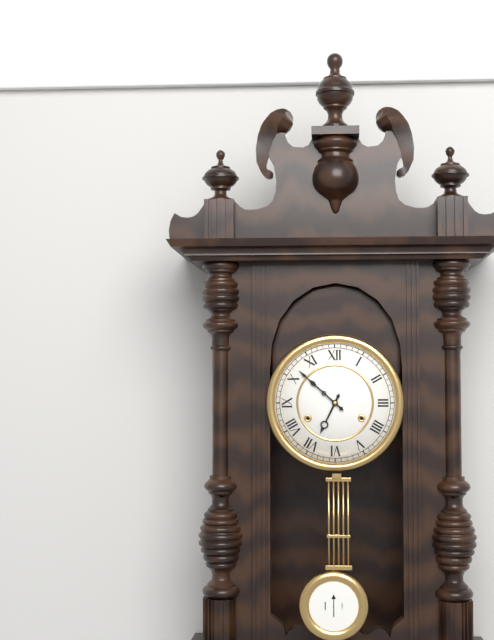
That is **6:52**
